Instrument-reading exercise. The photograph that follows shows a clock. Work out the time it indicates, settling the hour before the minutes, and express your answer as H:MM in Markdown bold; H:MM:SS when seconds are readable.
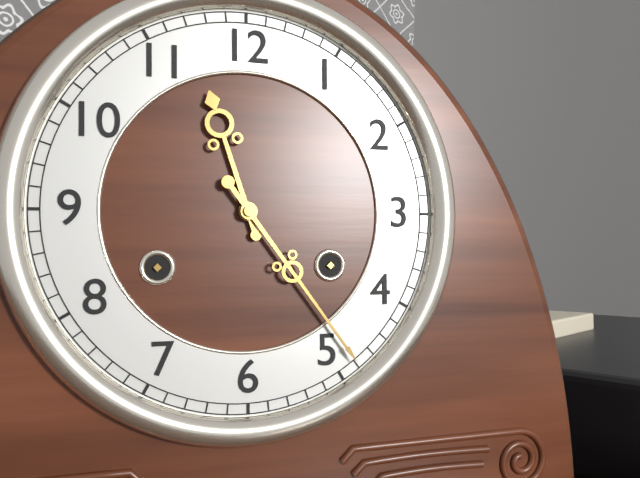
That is **11:24**
